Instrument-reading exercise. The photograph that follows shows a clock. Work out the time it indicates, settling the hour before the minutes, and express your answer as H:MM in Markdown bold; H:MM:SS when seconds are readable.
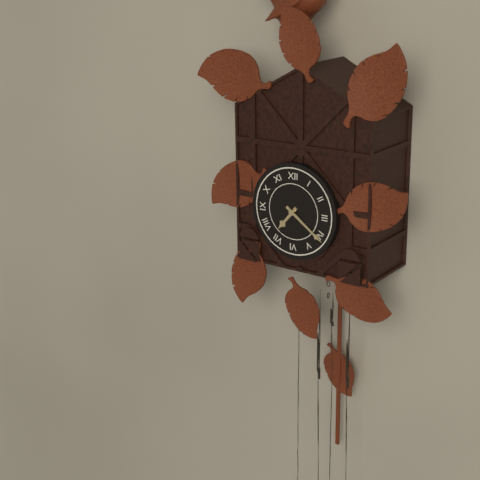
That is **7:21**
